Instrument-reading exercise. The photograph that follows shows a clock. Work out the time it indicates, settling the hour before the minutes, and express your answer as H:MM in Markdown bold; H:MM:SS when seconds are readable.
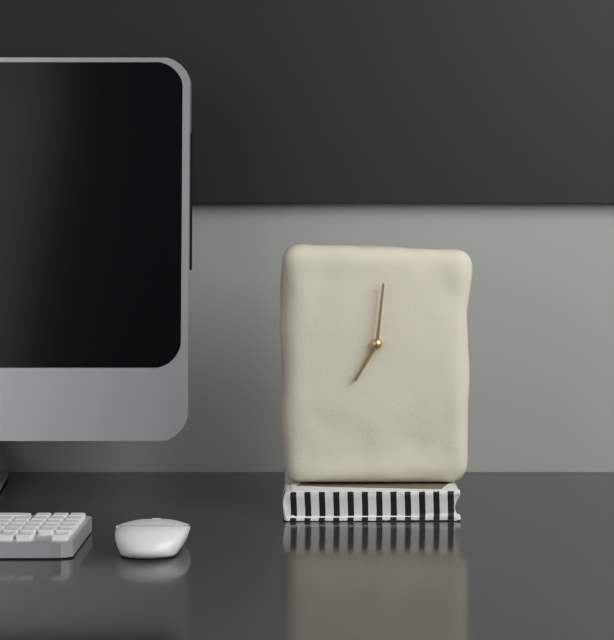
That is **7:01**
